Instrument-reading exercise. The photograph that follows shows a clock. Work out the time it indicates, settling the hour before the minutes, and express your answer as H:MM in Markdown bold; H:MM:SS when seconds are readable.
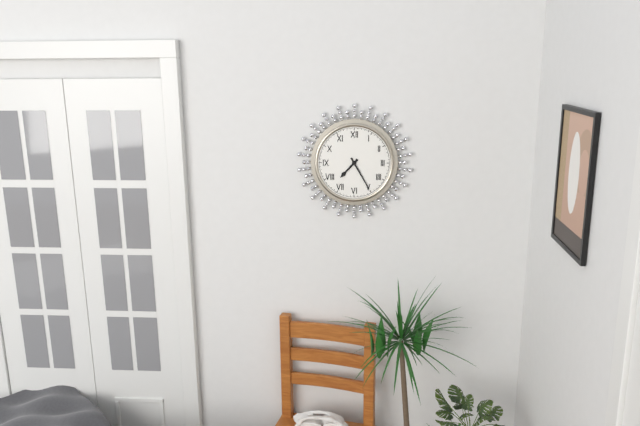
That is **7:25**
